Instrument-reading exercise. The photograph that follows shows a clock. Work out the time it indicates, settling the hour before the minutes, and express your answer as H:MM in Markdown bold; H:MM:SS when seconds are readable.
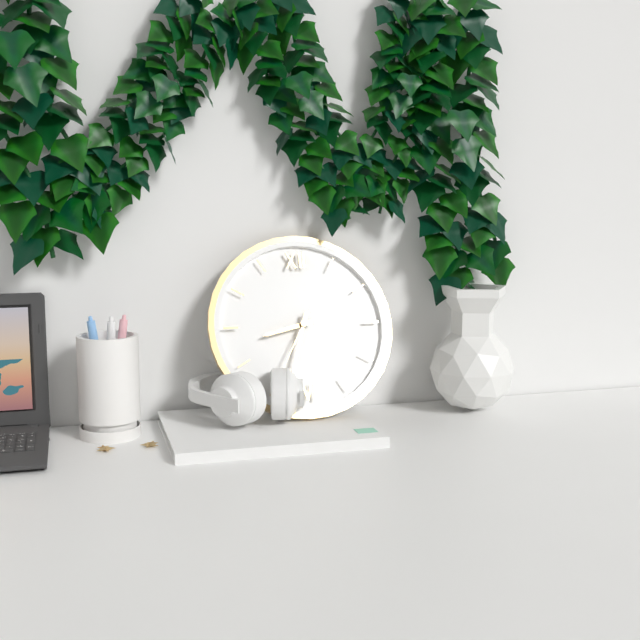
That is **8:33**
